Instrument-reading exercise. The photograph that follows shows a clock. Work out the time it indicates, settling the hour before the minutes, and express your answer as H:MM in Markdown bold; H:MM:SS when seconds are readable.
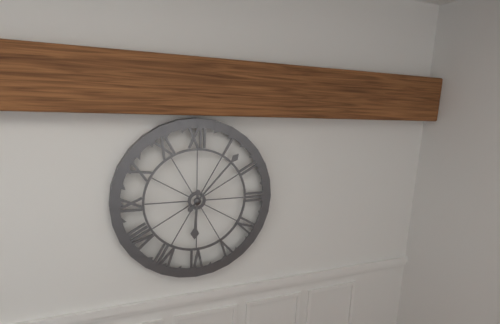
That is **6:07**
